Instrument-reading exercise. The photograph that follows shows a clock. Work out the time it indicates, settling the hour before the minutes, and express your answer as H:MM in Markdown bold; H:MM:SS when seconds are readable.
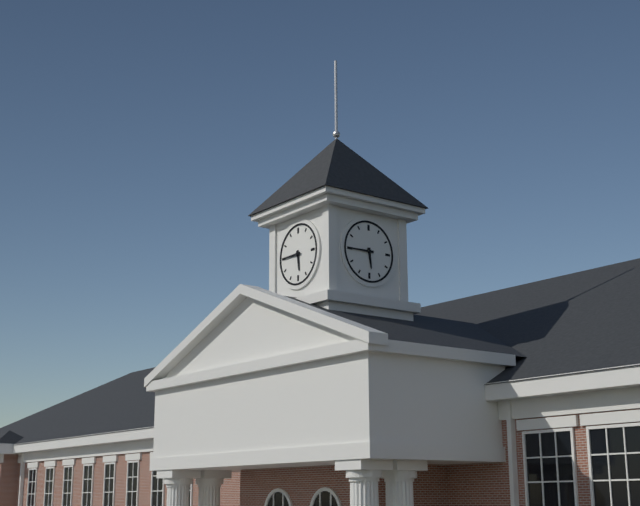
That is **5:45**
